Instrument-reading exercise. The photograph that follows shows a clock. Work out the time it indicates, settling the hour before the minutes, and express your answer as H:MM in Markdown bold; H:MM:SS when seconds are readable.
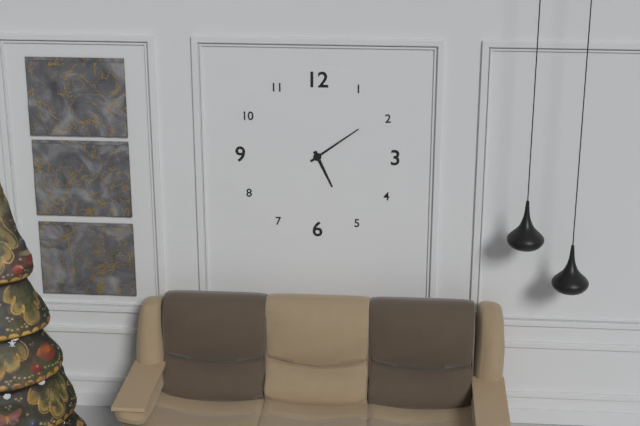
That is **5:09**
